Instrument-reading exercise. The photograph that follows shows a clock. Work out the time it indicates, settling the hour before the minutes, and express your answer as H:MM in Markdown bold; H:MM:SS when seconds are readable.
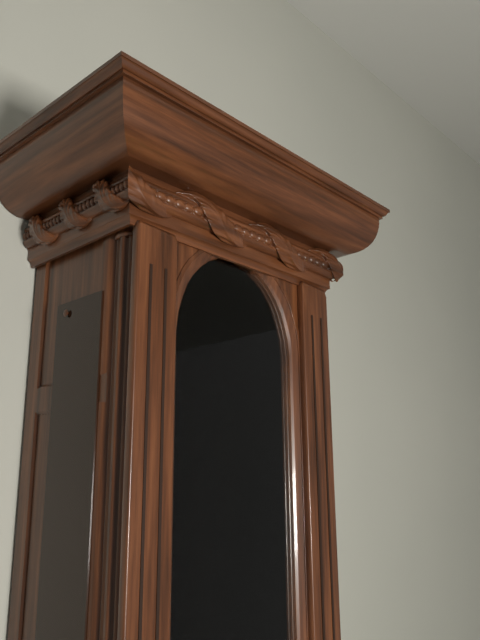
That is **11:31**
